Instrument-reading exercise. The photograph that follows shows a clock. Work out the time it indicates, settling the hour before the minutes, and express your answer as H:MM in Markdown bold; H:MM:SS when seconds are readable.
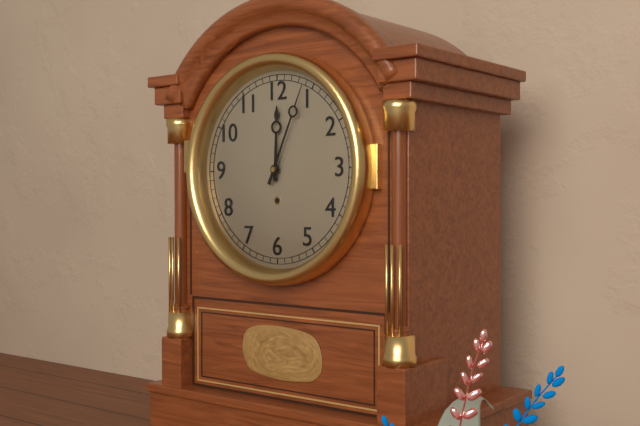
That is **12:04**
